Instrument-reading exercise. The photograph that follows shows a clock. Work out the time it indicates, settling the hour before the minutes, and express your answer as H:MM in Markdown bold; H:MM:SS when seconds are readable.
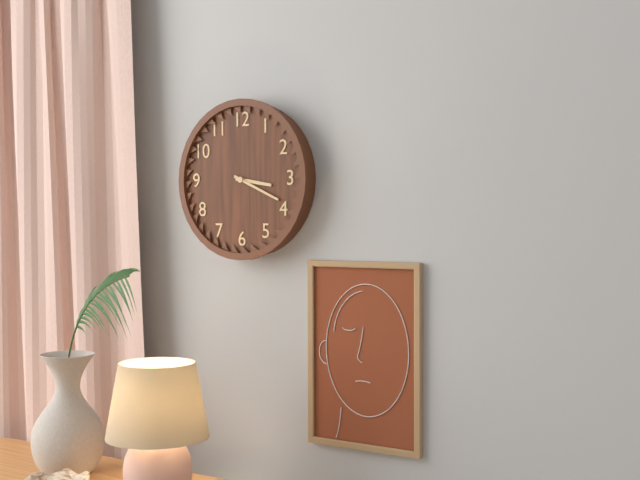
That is **3:19**
